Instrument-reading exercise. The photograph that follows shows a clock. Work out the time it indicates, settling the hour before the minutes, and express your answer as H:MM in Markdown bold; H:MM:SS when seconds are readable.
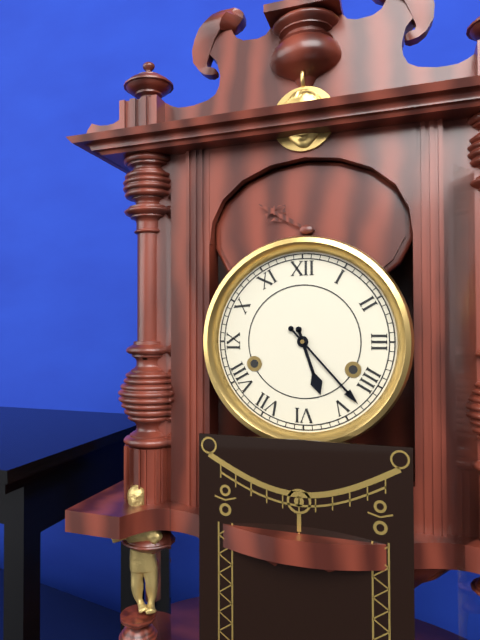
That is **5:23**
